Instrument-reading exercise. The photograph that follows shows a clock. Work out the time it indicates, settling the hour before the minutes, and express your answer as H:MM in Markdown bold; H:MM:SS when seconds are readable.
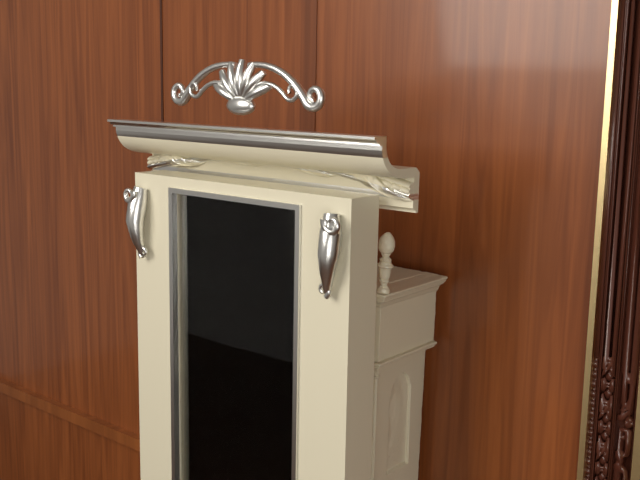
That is **10:35**
